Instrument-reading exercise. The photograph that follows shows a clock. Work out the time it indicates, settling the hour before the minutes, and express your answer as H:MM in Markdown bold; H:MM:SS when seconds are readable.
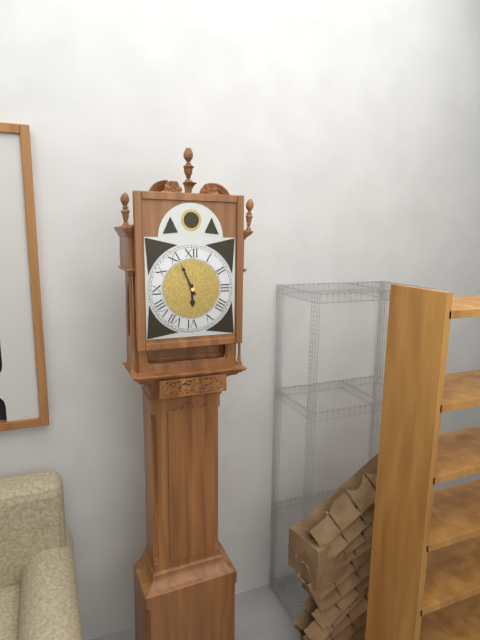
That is **5:56**
